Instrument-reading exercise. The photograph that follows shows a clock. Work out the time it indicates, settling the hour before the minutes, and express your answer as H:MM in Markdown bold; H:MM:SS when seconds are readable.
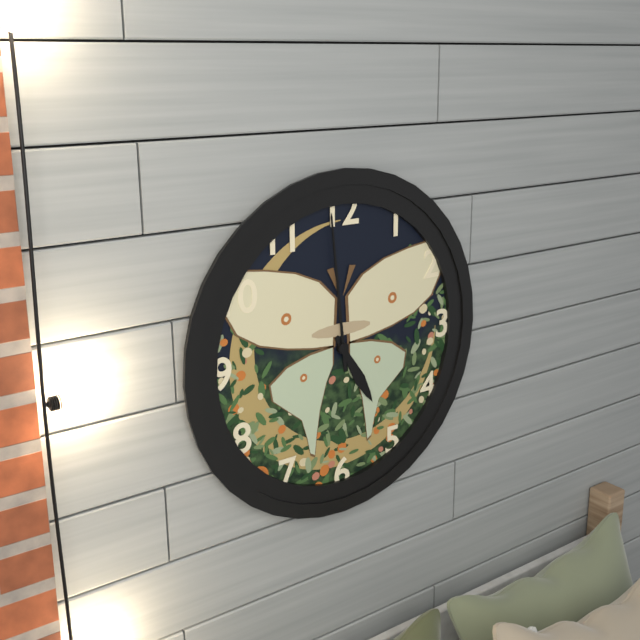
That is **4:59**
